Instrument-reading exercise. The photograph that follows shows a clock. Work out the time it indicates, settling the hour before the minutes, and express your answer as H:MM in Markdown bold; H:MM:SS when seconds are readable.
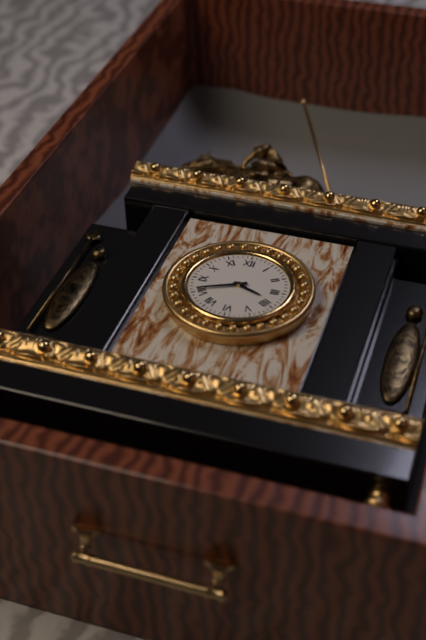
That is **3:41**
